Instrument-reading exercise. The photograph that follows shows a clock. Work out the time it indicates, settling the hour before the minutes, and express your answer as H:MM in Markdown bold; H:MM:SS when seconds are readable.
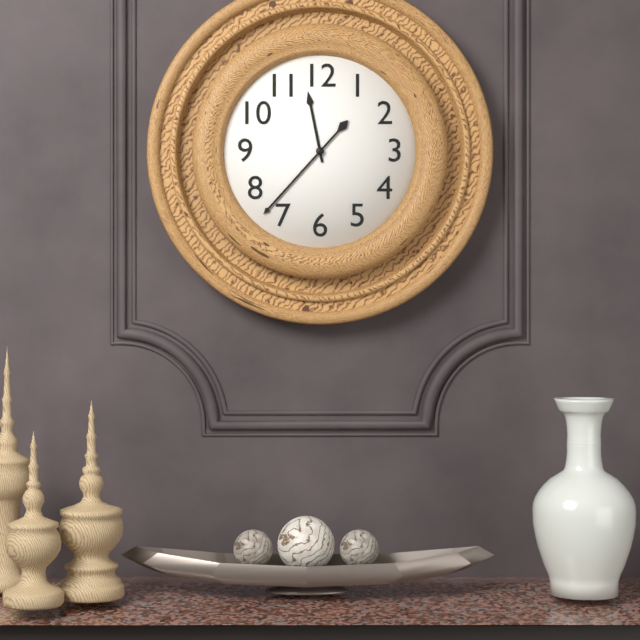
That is **11:37**
